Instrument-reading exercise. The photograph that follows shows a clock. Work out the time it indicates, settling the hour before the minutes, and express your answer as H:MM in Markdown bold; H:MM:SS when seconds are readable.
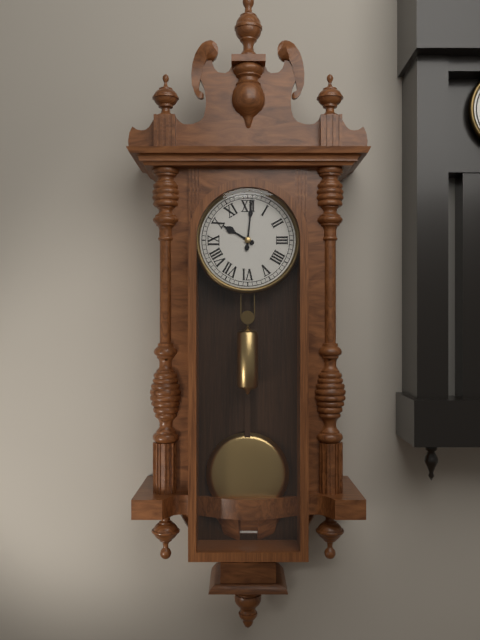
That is **10:01**
